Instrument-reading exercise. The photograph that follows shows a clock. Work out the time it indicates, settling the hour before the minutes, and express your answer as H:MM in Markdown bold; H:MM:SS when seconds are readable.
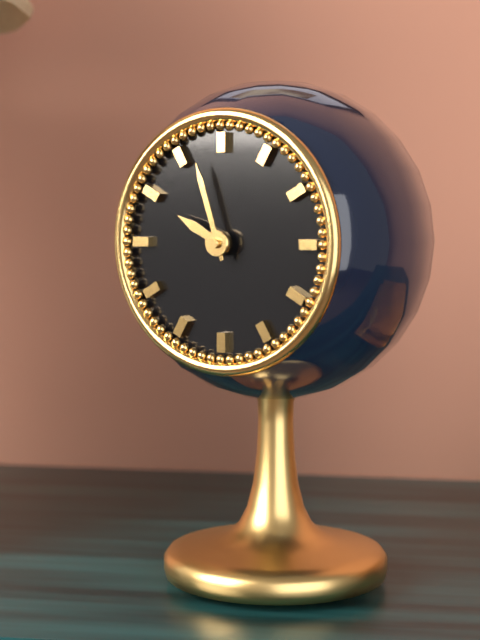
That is **9:57**
